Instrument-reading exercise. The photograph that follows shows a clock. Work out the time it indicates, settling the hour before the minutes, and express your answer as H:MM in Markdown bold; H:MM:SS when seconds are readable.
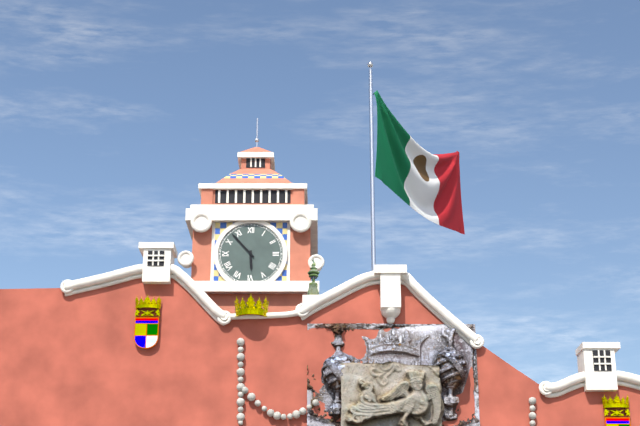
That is **5:53**
